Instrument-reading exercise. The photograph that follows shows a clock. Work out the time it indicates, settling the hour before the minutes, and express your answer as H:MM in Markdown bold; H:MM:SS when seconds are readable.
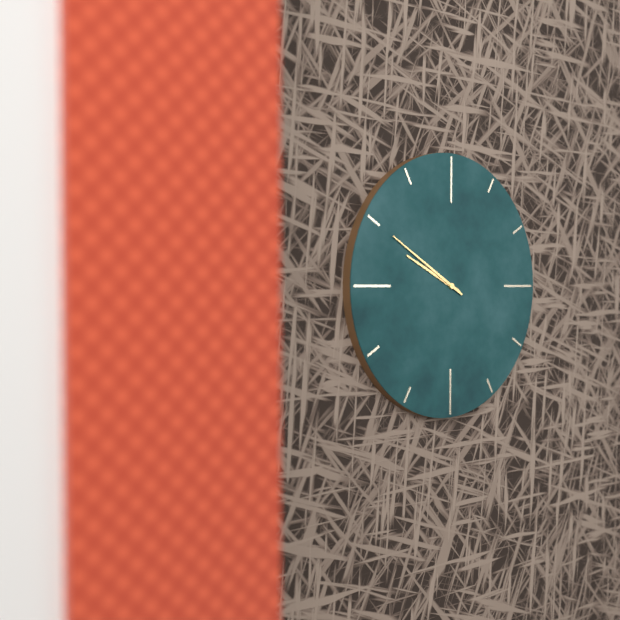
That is **9:50**
